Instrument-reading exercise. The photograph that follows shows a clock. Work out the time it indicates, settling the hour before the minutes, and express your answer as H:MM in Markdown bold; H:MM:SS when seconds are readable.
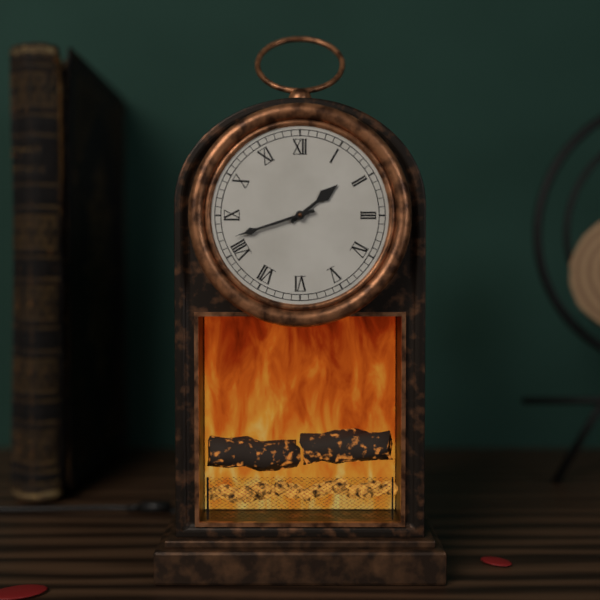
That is **1:42**
